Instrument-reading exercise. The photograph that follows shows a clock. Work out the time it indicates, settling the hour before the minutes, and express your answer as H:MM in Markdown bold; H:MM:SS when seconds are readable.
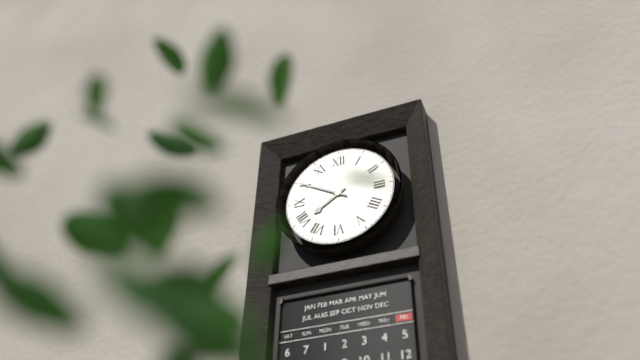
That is **7:50**
